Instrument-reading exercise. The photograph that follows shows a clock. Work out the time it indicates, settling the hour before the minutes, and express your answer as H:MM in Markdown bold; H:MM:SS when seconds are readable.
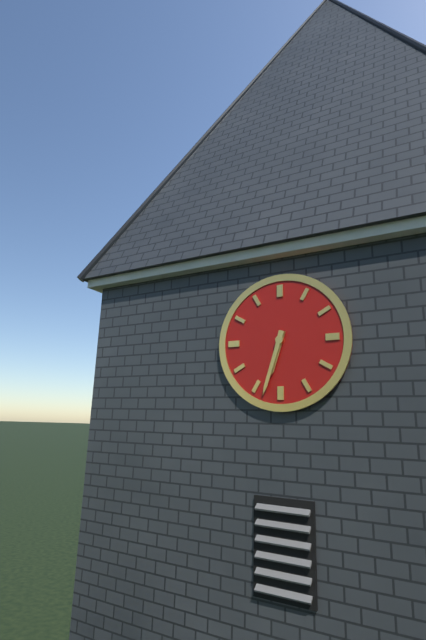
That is **6:33**
